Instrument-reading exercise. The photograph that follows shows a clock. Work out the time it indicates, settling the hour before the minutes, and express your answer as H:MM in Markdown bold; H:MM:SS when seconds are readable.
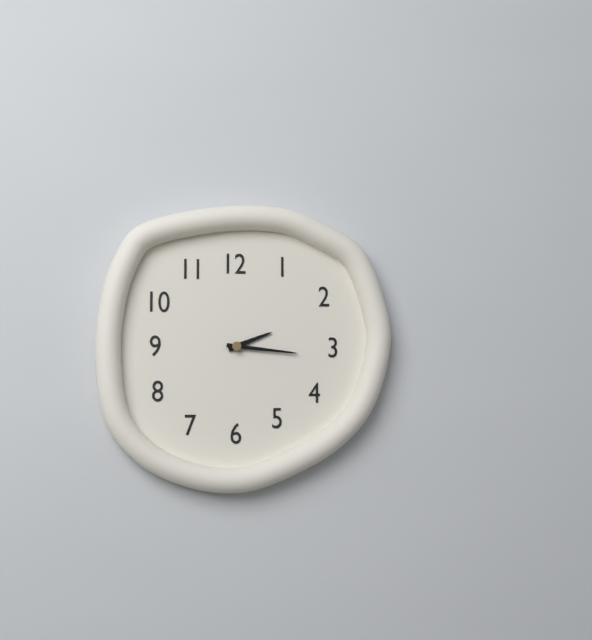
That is **2:16**
